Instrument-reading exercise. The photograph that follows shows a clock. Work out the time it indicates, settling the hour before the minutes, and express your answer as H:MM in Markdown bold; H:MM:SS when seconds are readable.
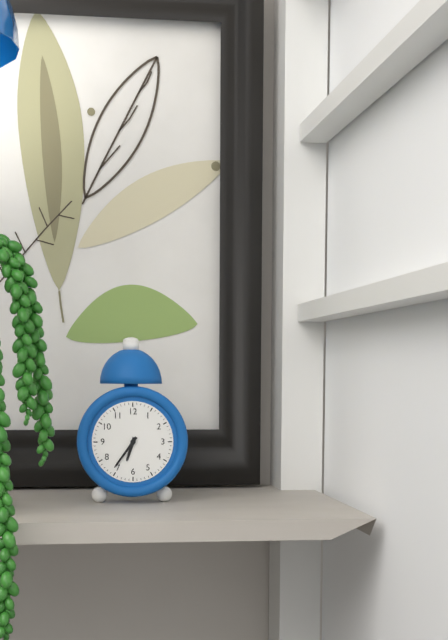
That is **6:36**
